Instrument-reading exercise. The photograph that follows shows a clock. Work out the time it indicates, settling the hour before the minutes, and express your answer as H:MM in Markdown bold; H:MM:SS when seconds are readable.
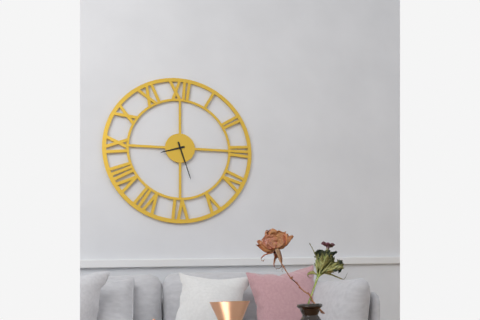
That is **8:27**
